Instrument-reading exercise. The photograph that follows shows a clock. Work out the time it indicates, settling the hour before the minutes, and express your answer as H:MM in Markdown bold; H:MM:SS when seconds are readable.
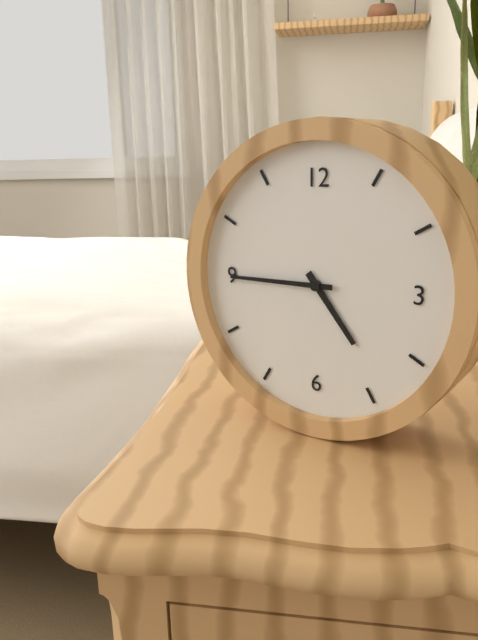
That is **4:45**
